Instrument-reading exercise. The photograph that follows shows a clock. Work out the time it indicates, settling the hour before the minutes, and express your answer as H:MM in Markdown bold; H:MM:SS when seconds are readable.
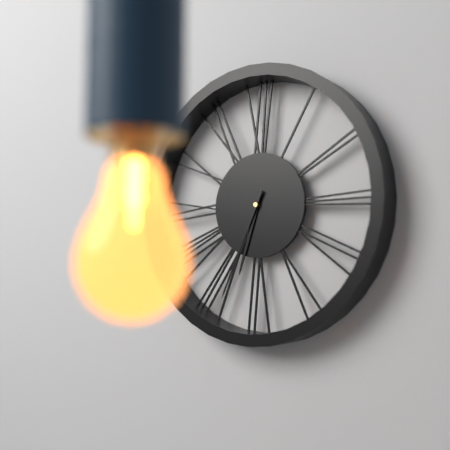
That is **6:34**
